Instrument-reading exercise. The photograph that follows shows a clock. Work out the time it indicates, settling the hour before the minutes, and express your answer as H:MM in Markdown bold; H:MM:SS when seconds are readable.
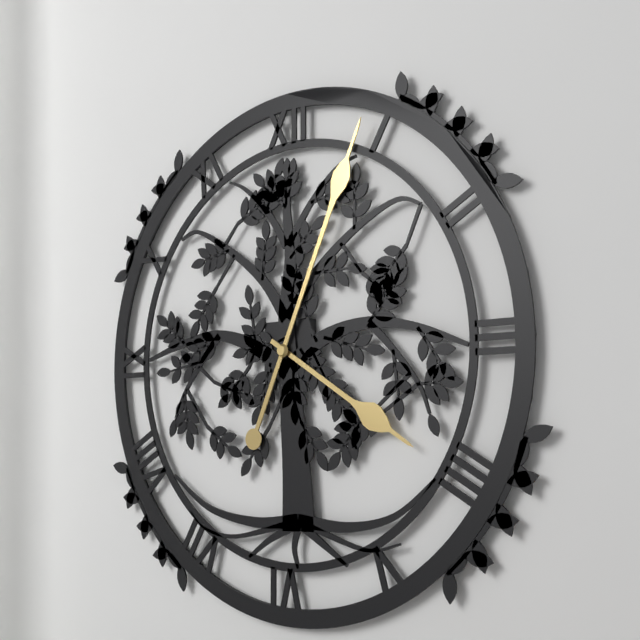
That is **4:04**
